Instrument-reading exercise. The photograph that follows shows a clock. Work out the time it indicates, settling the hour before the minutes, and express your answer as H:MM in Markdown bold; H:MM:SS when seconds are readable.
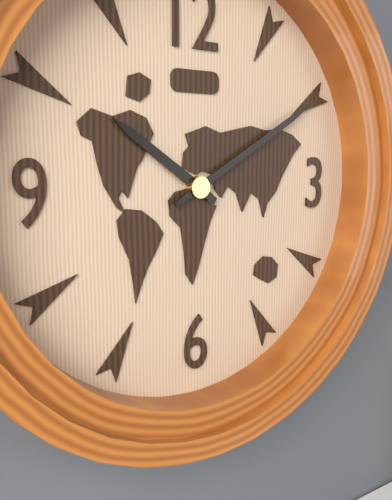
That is **10:10**
